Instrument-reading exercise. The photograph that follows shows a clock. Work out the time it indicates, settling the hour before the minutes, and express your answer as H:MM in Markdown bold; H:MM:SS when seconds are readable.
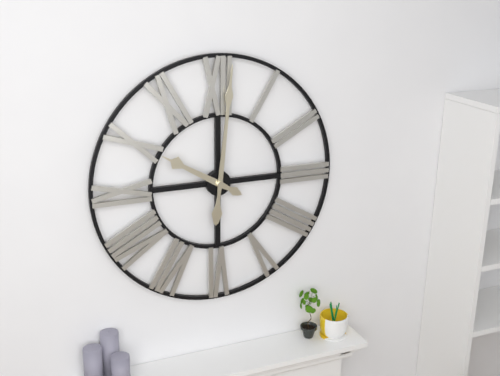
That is **10:01**
